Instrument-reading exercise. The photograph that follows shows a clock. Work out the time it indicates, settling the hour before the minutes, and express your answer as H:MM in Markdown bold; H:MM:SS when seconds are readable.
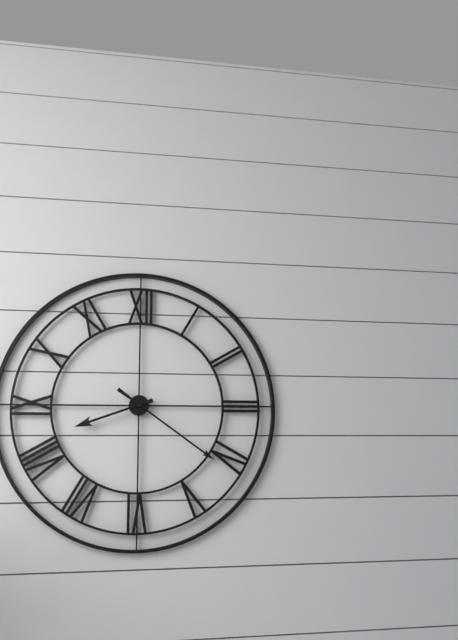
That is **8:21**
